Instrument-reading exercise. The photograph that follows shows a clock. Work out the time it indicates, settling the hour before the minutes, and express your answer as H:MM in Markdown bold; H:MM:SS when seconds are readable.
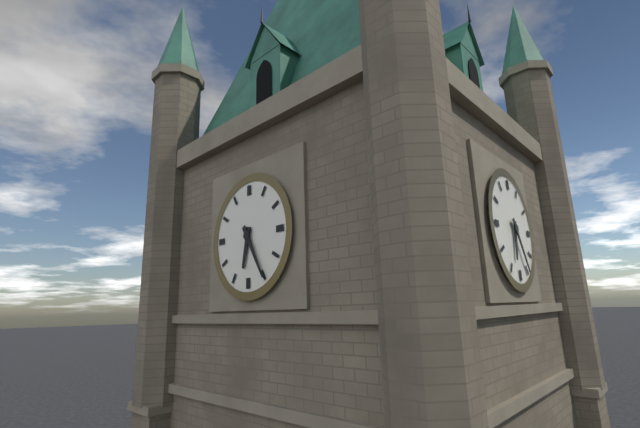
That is **6:25**
